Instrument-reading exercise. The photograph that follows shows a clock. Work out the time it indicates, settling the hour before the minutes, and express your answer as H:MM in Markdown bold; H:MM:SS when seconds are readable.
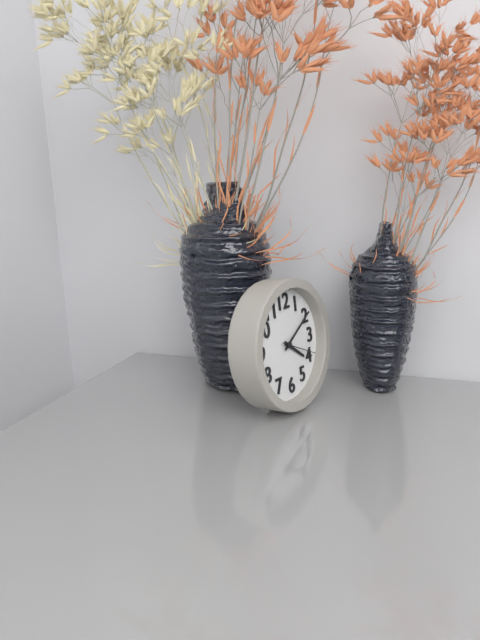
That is **4:10**
